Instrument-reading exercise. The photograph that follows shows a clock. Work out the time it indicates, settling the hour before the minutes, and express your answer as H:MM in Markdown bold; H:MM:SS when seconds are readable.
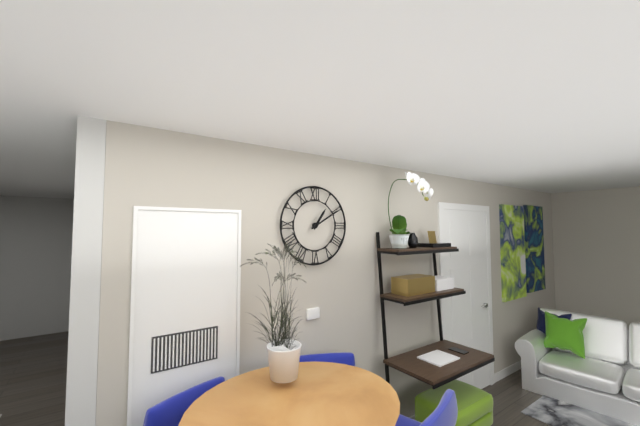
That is **1:10**
